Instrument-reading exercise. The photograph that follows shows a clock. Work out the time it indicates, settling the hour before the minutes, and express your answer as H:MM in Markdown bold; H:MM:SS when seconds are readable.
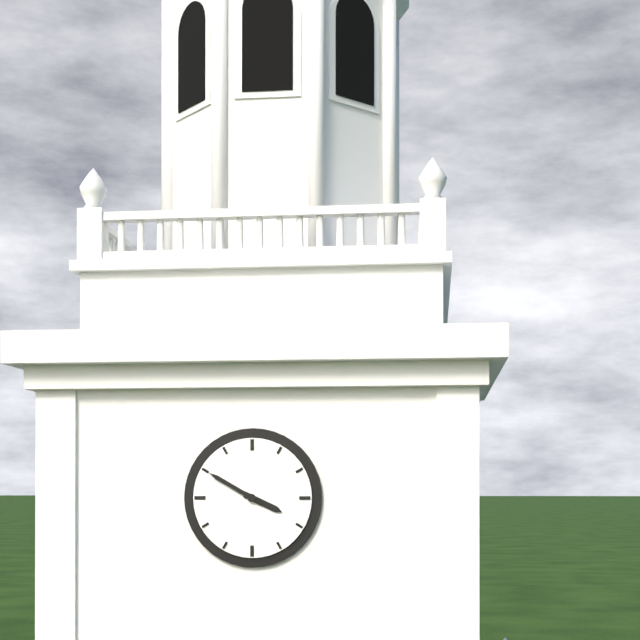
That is **3:50**
